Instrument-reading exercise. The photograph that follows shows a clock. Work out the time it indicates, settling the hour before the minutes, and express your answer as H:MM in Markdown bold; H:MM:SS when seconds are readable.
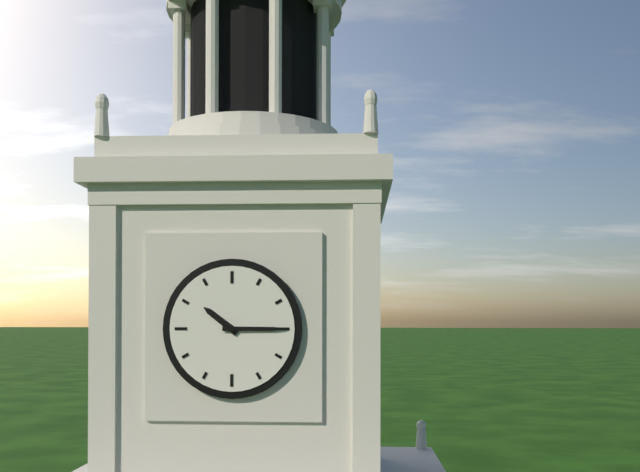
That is **10:15**
